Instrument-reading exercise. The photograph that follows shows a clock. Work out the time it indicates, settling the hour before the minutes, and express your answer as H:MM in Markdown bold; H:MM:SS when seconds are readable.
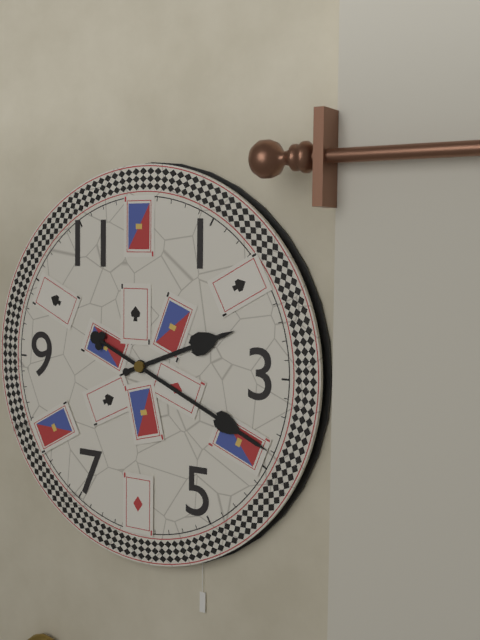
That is **2:19**
